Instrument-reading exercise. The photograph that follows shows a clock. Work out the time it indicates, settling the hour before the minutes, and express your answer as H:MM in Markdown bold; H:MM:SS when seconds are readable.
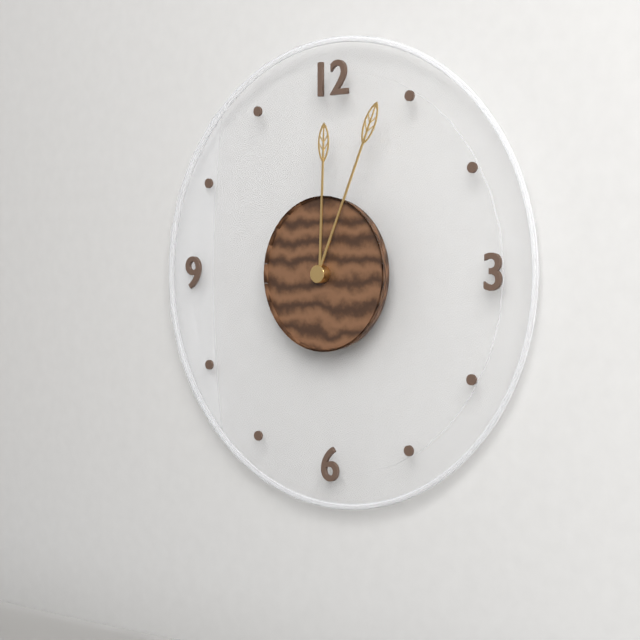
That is **12:04**
